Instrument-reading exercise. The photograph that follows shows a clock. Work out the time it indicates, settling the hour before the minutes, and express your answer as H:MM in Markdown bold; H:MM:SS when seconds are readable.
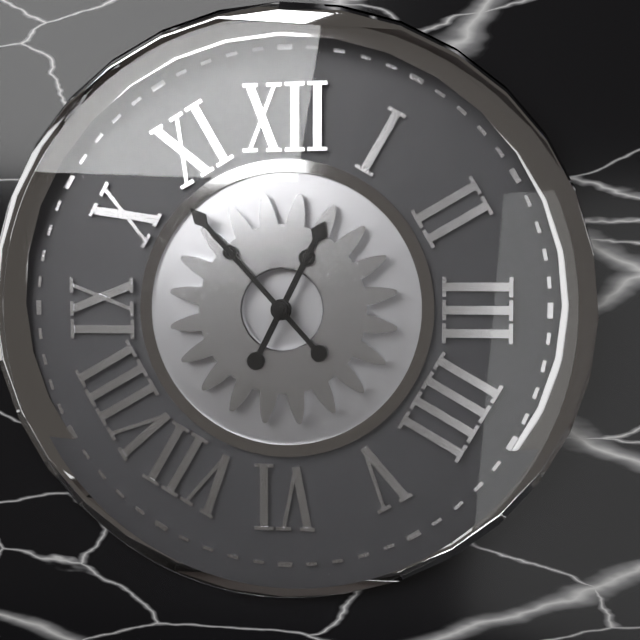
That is **12:53**
